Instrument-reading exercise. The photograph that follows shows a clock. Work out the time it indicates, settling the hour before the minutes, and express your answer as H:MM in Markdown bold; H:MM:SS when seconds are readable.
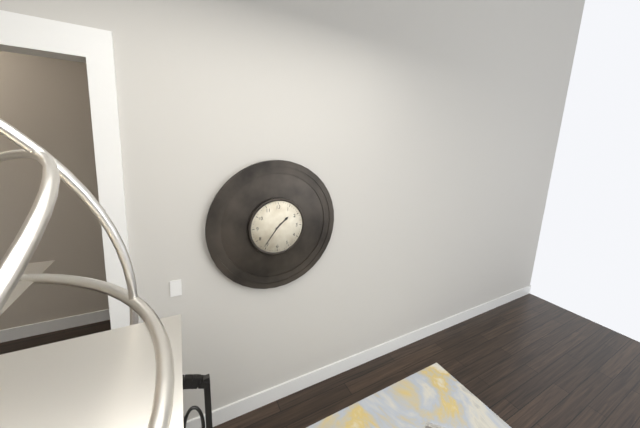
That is **1:36**
